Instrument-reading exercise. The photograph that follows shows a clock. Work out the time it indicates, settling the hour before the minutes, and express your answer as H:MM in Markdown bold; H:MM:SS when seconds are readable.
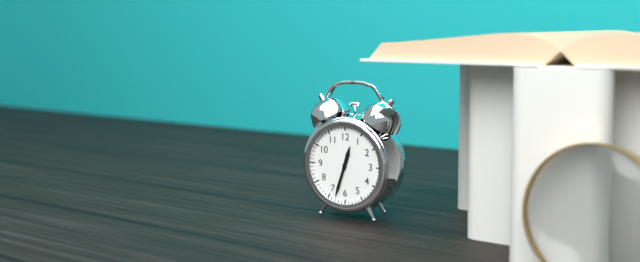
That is **12:33**
